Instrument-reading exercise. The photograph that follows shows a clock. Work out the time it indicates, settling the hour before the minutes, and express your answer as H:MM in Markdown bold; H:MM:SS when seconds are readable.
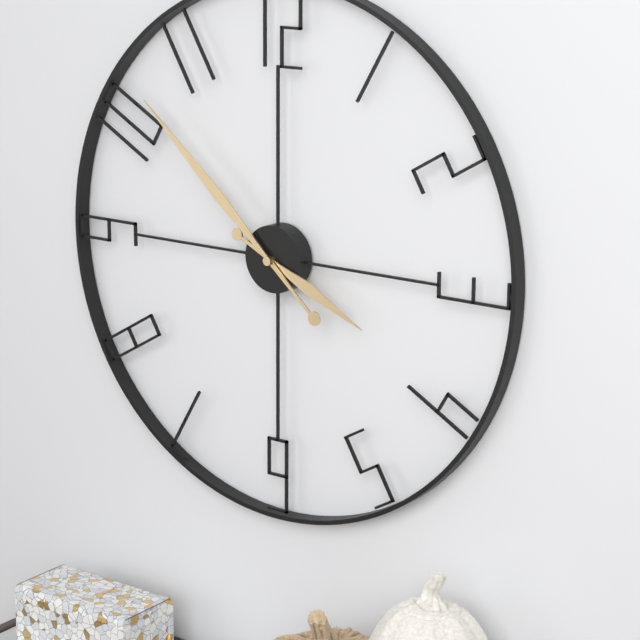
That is **3:52**
